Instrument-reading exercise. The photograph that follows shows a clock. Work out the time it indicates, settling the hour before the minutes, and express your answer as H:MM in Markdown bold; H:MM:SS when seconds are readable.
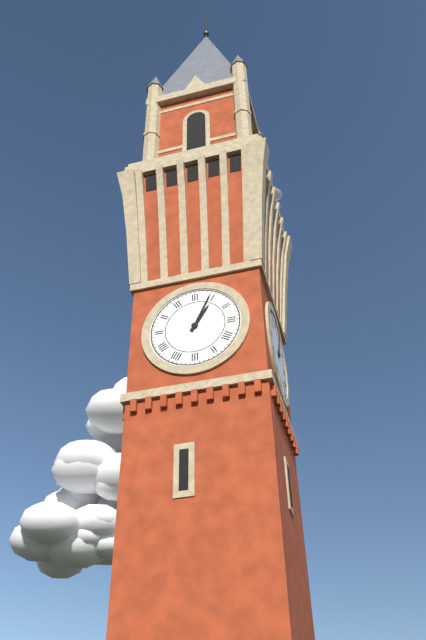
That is **1:04**
